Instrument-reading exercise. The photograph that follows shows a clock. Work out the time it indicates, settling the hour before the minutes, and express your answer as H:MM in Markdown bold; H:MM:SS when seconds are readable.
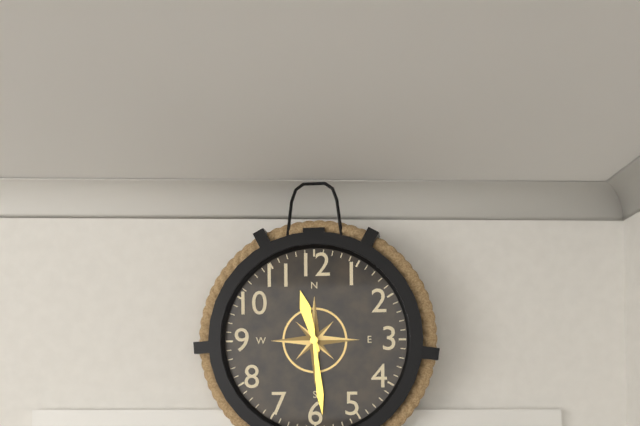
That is **11:29**
